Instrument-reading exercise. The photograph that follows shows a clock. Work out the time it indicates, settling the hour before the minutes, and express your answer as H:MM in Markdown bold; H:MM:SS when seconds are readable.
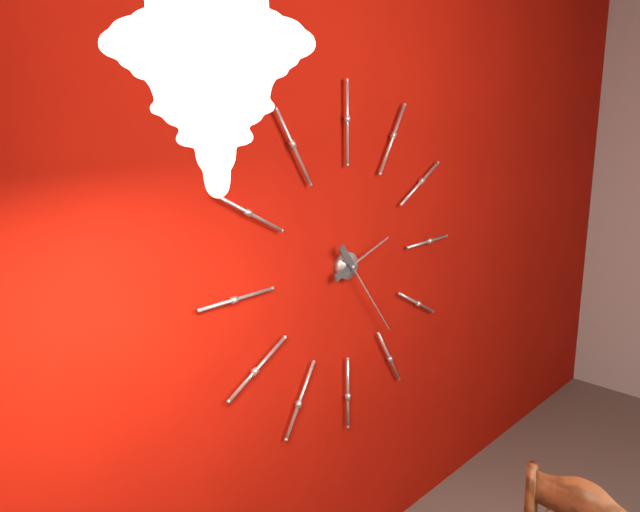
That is **2:24**
